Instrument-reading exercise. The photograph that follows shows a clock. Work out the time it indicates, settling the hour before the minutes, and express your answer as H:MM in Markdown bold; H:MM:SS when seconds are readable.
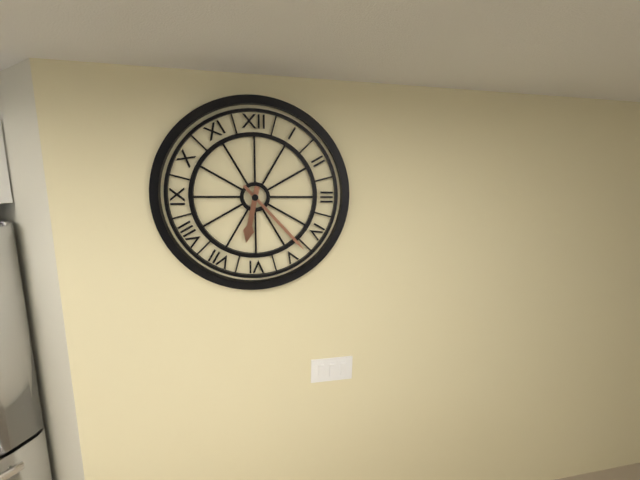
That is **6:23**
